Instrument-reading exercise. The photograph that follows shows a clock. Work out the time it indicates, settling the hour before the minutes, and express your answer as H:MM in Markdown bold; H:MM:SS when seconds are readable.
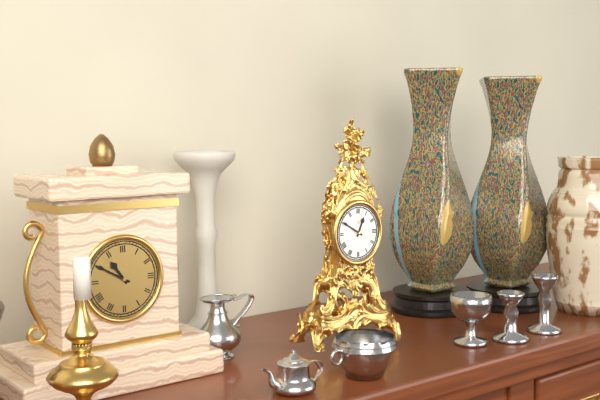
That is **12:50**
